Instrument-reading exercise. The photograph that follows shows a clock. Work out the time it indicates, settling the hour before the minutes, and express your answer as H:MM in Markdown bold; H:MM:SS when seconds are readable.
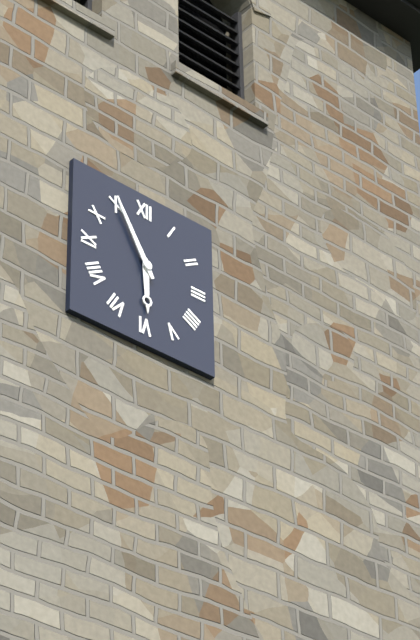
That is **5:55**
